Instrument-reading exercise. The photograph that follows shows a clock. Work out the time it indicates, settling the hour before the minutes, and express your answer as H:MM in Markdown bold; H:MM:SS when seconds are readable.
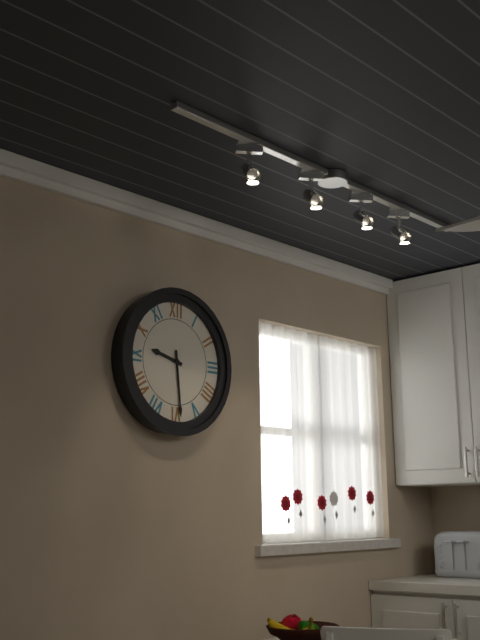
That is **9:29**
